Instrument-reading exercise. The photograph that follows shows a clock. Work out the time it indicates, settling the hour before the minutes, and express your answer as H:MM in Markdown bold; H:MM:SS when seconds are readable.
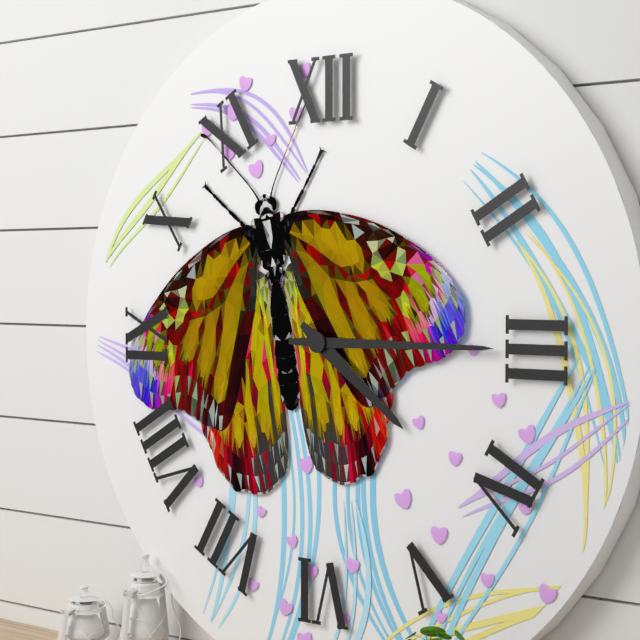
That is **4:15**
